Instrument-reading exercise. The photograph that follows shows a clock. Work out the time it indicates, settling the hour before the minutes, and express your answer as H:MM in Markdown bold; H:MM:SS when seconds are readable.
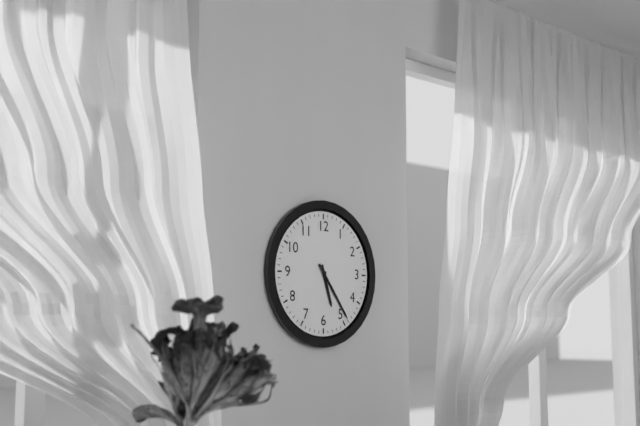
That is **5:24**
